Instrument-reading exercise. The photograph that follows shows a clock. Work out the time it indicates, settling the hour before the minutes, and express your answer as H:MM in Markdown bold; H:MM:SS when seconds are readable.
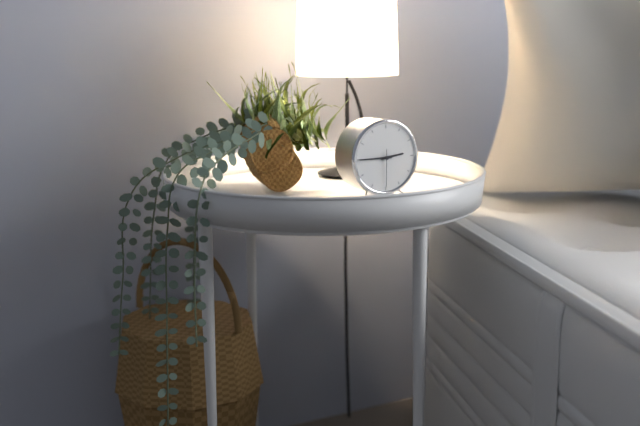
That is **2:45**
